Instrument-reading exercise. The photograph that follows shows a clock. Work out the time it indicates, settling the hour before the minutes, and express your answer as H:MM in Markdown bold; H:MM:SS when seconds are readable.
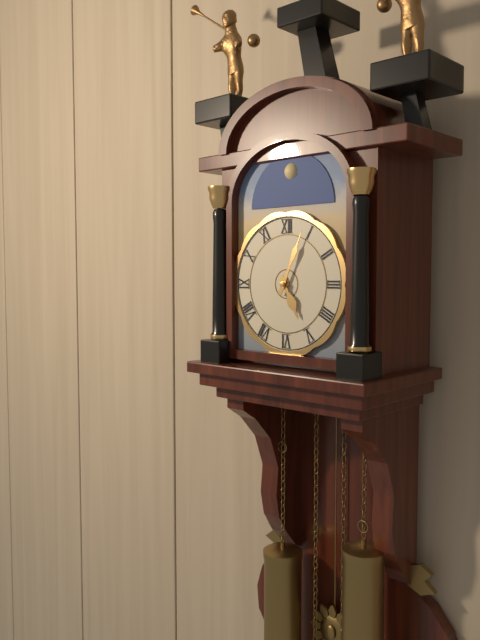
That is **5:04**
